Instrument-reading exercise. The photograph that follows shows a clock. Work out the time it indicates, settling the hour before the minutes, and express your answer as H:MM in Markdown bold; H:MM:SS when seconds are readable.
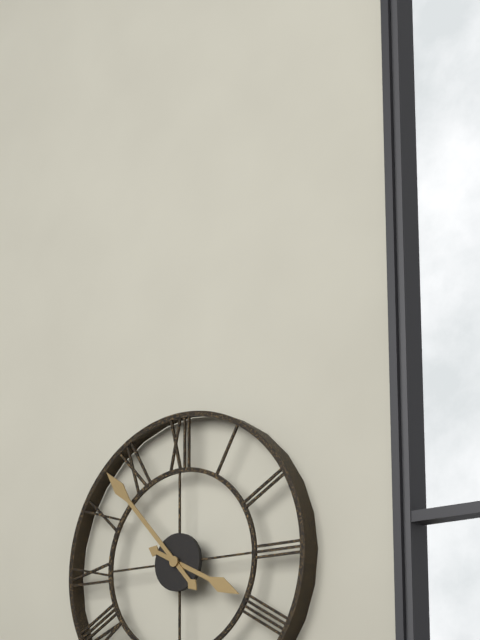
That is **3:53**
